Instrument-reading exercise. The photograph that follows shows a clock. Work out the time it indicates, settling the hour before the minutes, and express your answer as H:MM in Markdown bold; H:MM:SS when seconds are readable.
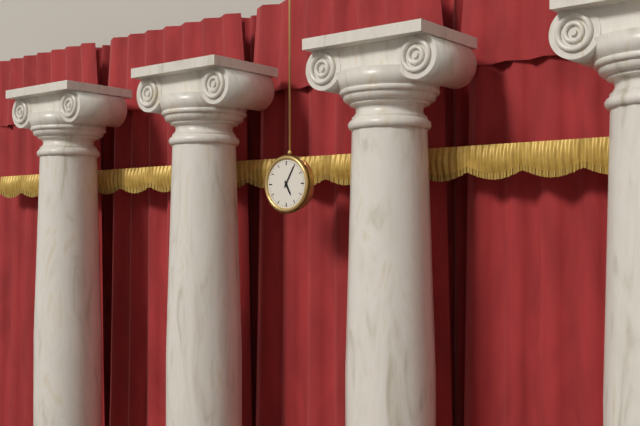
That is **5:05**
